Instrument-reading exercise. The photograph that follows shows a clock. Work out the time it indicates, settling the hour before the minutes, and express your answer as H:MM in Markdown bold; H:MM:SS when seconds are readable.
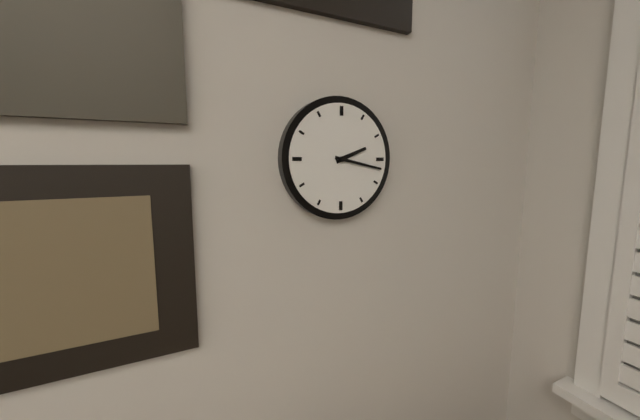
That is **2:17**
